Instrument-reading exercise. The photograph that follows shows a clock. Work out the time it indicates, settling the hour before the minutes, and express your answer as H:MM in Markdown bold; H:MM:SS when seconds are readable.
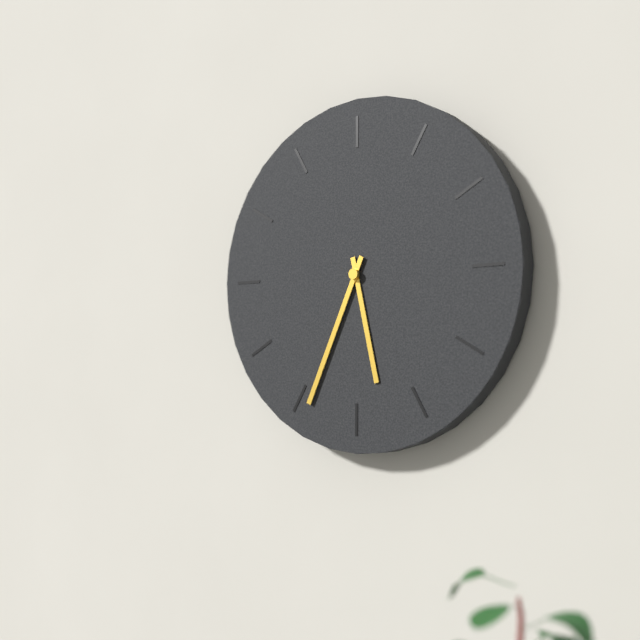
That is **5:34**
